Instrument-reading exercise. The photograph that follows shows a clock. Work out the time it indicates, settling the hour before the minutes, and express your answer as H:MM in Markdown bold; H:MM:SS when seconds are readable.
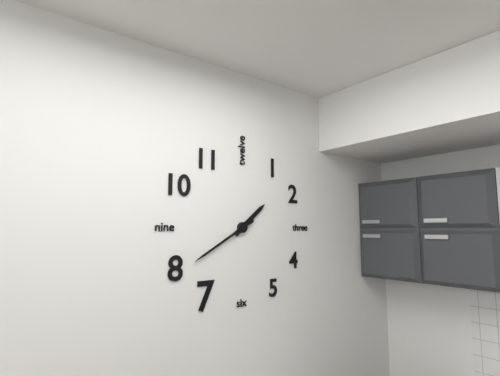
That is **1:40**
